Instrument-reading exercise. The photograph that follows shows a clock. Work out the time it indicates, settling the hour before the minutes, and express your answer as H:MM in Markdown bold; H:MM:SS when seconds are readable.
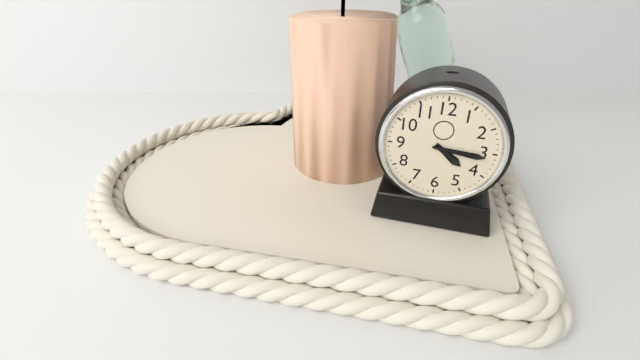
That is **4:16**
